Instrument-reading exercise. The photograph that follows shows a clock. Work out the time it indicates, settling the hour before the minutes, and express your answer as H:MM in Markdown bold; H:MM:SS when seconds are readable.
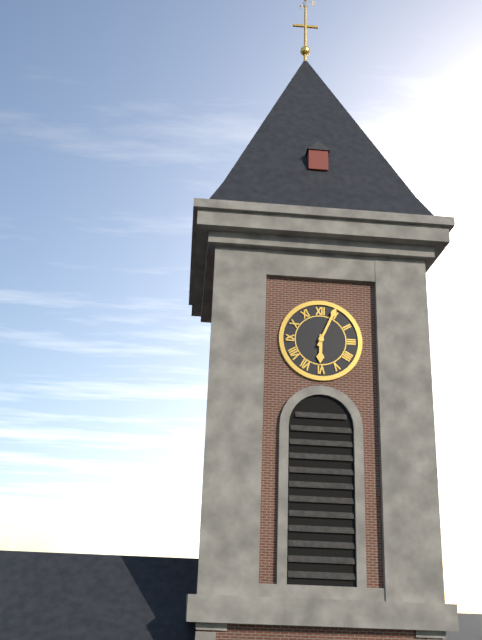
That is **6:04**
